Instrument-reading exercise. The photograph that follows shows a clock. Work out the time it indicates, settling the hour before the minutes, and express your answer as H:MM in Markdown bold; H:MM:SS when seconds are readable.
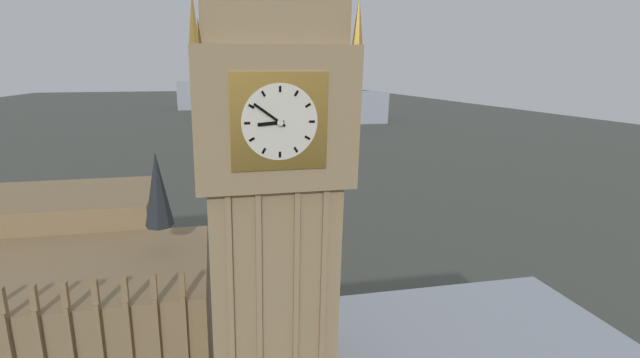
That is **8:51**
